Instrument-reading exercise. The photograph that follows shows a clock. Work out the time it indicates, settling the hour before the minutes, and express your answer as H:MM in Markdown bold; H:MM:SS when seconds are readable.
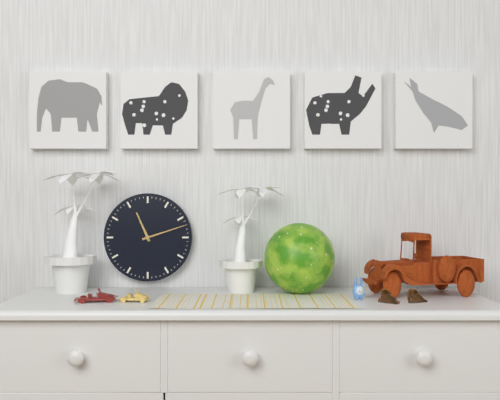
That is **11:12**
